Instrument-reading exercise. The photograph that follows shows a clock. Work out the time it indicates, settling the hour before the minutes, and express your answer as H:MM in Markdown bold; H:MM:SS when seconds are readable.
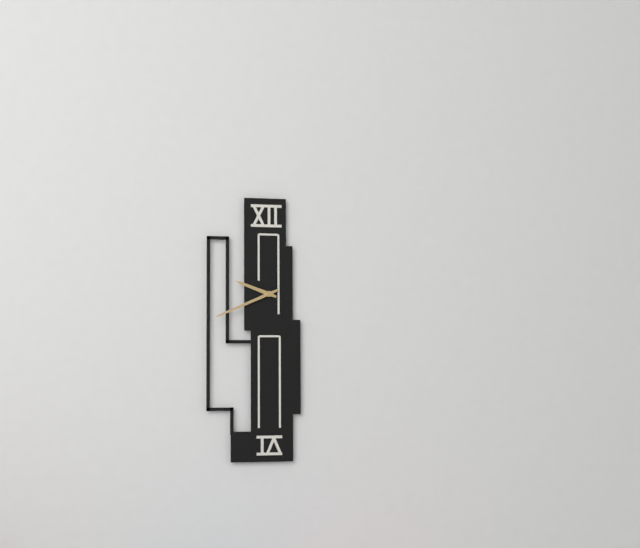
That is **9:41**
